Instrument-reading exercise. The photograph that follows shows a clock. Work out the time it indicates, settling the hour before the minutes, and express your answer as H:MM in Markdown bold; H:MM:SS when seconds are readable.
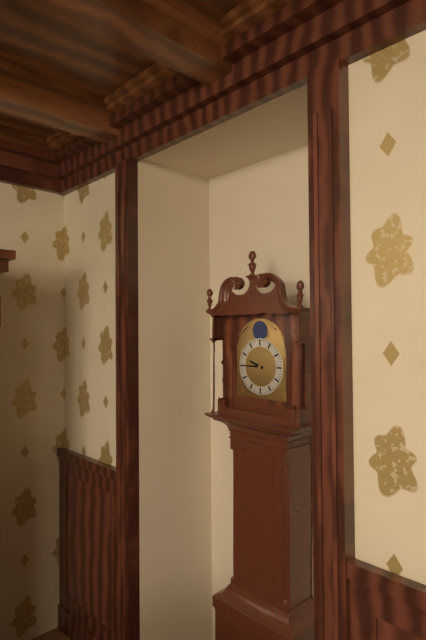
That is **9:45**
